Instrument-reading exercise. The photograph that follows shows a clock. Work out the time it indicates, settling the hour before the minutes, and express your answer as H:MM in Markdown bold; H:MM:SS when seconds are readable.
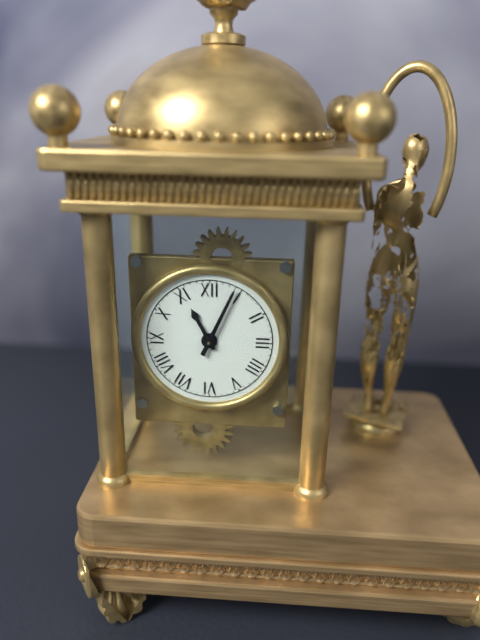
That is **11:04**
